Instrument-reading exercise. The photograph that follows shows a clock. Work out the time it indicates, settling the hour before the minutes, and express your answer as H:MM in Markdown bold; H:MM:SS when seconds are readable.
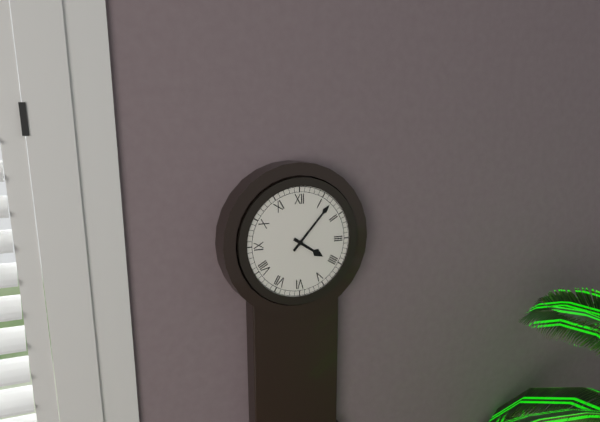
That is **4:07**
